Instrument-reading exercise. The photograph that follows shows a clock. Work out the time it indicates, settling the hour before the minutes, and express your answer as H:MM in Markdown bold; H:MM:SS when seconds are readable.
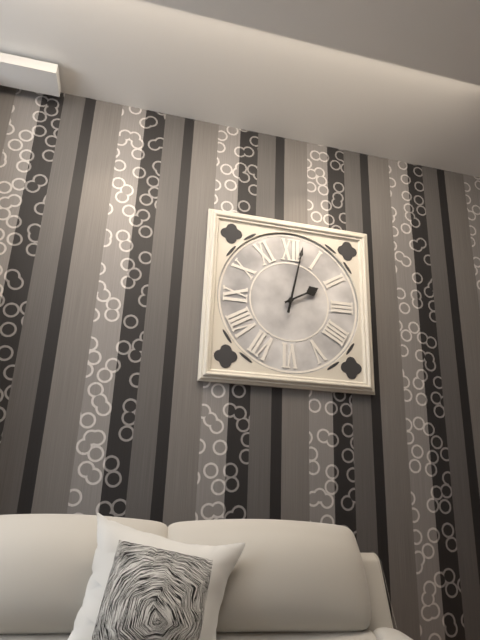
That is **2:02**
